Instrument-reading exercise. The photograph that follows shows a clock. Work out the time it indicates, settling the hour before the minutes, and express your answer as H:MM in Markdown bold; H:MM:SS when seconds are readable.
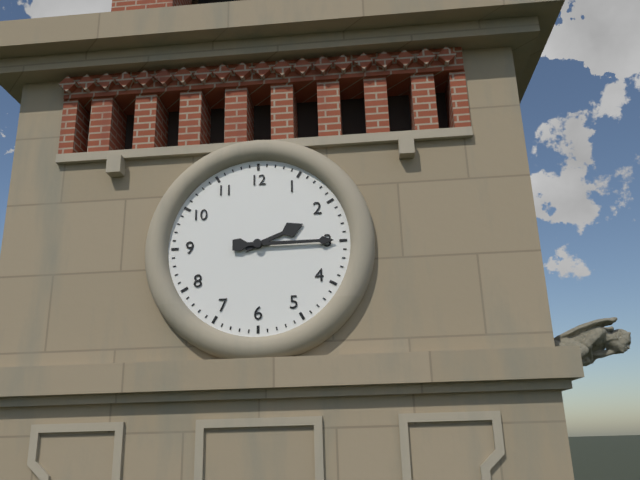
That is **2:15**
